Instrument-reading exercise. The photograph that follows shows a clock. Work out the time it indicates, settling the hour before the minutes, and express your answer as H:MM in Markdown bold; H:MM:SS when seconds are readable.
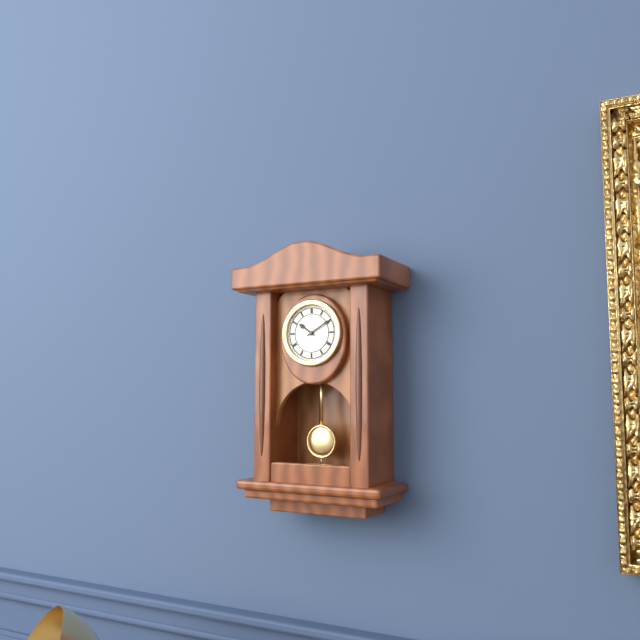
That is **10:10**
